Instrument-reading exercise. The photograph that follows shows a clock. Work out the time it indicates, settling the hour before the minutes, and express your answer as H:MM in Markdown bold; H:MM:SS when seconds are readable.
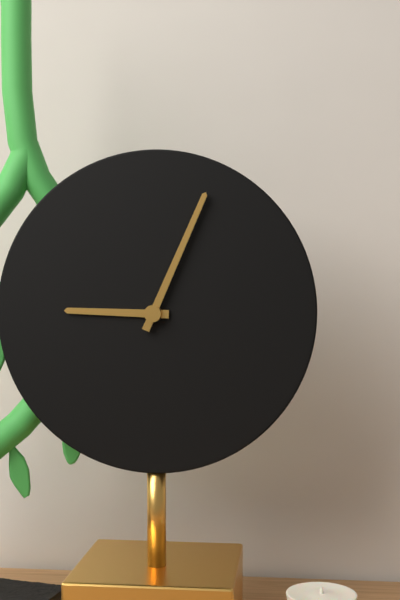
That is **9:04**
